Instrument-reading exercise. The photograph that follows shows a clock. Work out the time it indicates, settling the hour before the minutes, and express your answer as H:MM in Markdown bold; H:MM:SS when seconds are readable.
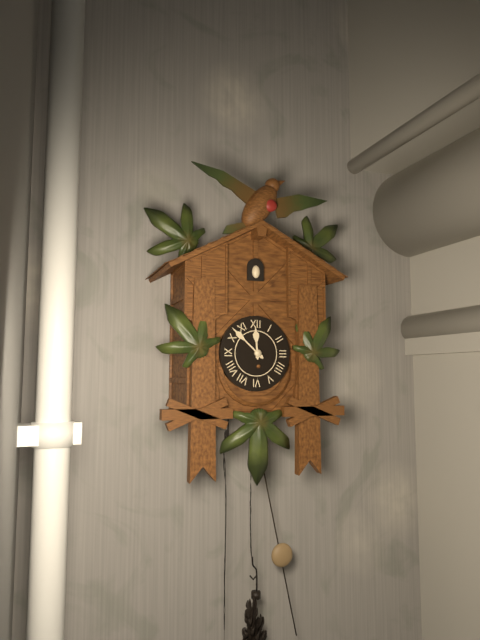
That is **11:52**
